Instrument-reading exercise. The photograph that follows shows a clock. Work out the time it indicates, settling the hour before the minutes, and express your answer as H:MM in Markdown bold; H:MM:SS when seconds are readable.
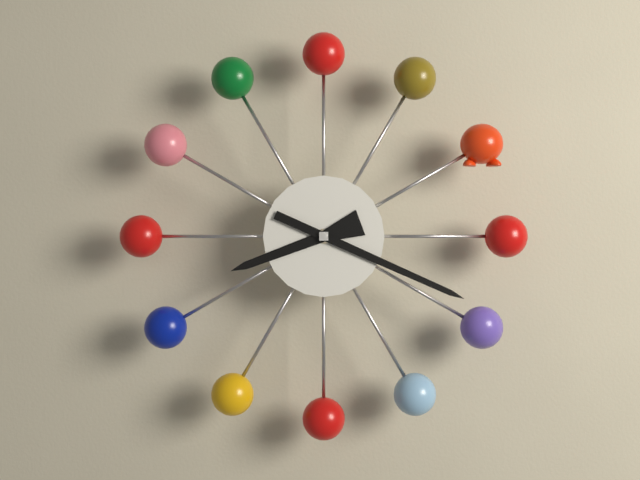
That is **8:19**
